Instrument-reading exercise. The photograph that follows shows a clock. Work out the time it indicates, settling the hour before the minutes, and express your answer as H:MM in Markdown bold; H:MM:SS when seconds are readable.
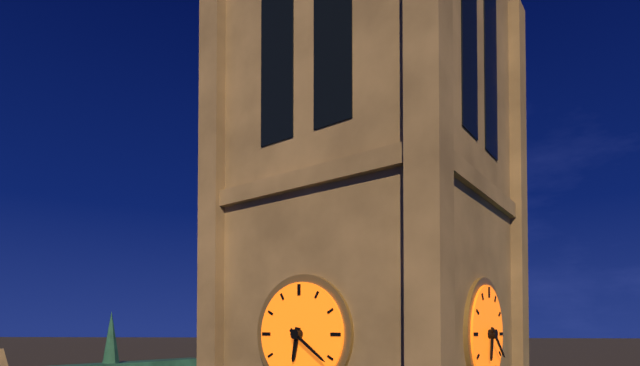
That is **6:21**
